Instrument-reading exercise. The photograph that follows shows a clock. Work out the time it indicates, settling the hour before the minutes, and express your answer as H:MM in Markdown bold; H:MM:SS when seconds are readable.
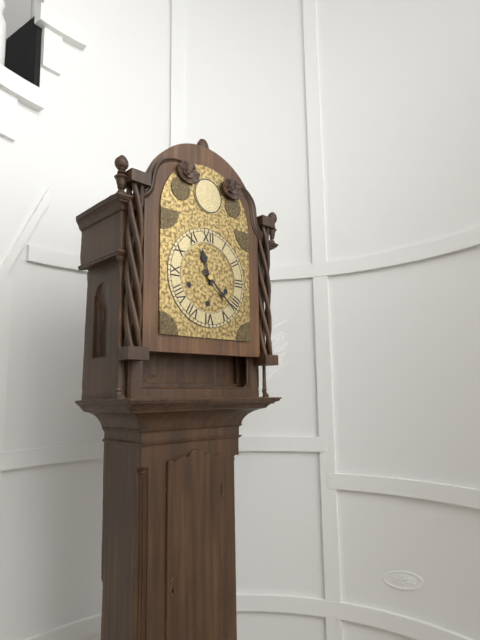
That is **11:22**
